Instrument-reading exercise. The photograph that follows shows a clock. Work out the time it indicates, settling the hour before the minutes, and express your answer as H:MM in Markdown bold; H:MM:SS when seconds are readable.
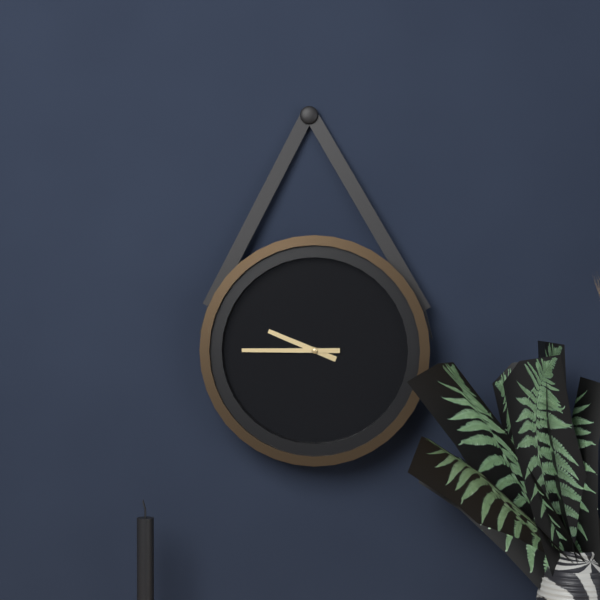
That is **9:45**
